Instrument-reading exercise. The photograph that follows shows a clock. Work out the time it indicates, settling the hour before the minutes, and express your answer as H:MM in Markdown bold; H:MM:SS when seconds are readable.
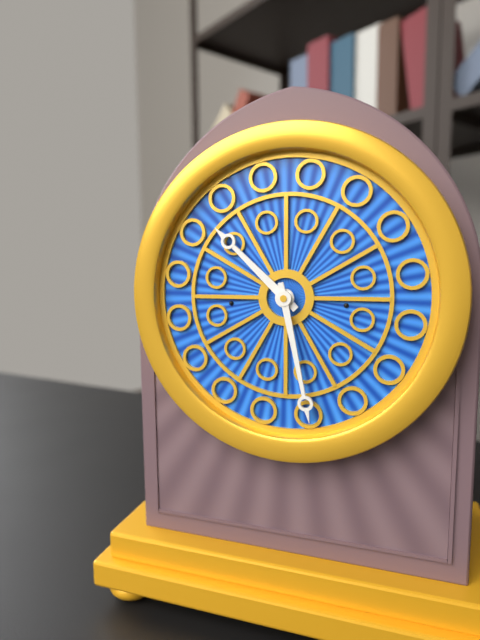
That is **10:28**
